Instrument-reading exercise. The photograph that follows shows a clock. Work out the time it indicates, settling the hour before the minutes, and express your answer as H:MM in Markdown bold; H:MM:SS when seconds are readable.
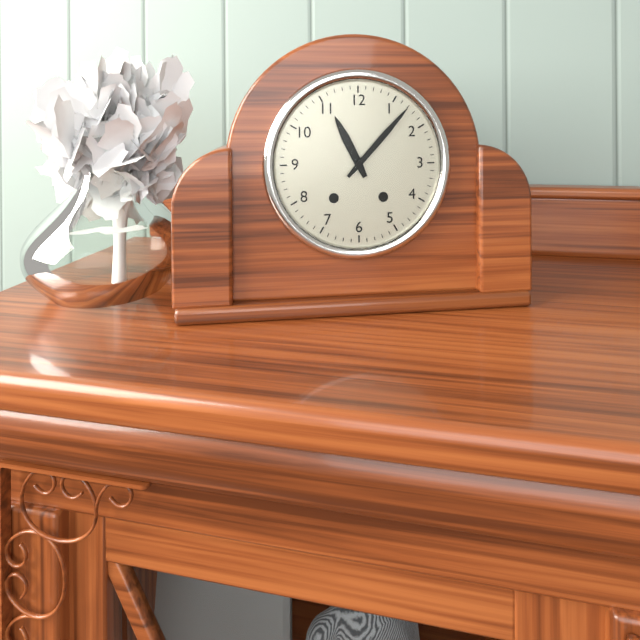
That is **11:07**
